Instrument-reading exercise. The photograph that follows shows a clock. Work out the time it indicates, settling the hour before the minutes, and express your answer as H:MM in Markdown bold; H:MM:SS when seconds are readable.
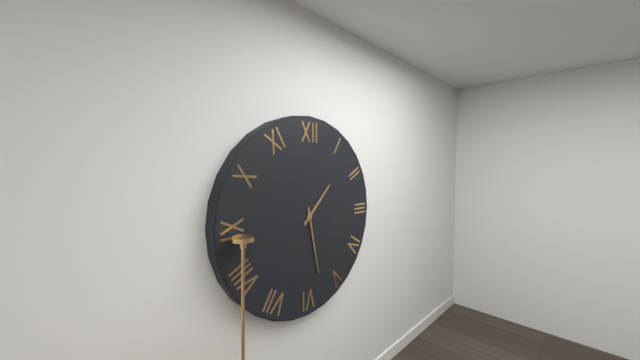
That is **1:28**
